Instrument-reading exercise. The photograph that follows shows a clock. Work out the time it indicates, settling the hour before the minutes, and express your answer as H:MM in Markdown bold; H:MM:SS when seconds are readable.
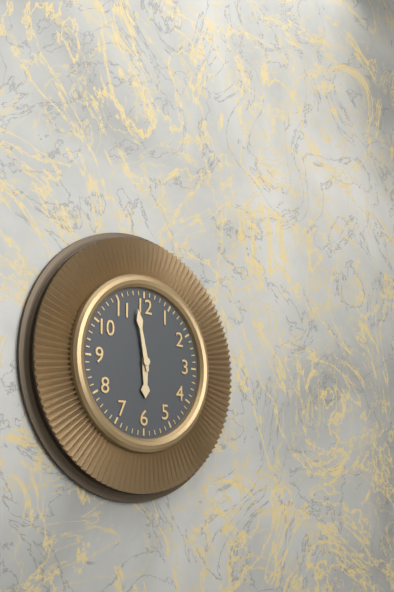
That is **5:58**
